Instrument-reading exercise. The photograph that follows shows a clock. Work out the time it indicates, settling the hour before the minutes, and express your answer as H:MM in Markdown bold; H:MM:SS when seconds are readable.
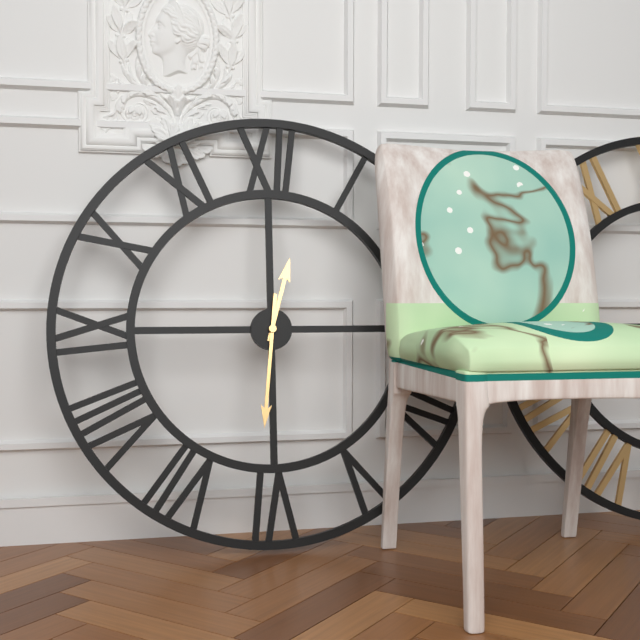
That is **12:31**
